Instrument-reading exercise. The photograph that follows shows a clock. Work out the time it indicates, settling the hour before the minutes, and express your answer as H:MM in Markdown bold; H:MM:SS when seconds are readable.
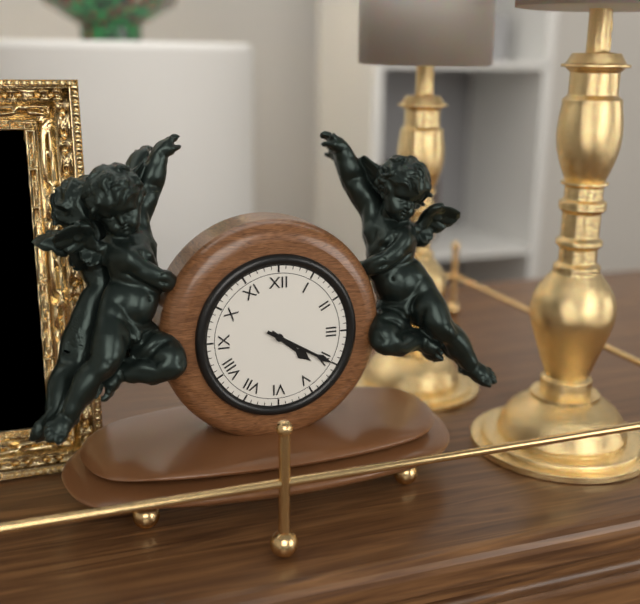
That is **4:20**
